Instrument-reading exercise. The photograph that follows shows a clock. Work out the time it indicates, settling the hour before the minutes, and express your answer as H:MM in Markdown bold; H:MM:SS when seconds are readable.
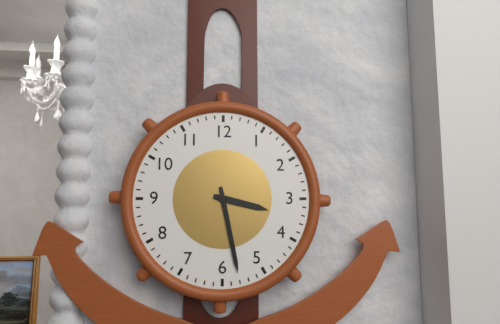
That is **3:28**
